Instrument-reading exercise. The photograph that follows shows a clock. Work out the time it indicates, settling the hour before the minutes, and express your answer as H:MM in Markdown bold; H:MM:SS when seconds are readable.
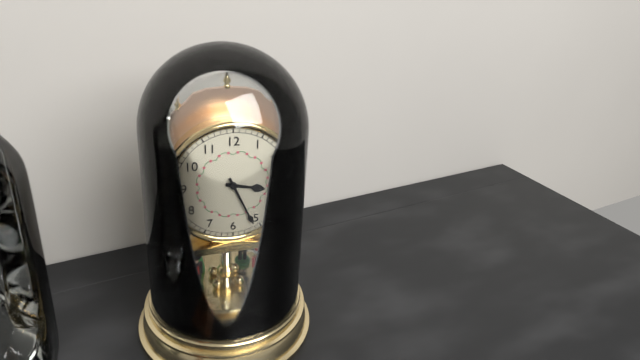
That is **3:26**
